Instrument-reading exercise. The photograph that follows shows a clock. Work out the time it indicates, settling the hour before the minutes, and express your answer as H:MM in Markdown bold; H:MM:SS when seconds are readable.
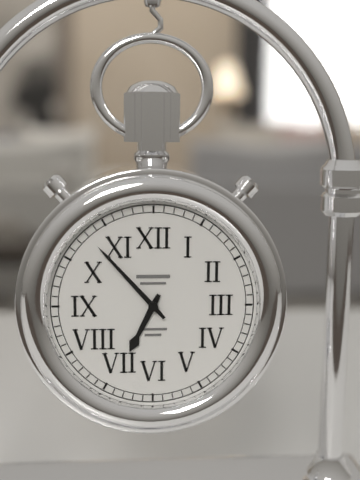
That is **6:53**
